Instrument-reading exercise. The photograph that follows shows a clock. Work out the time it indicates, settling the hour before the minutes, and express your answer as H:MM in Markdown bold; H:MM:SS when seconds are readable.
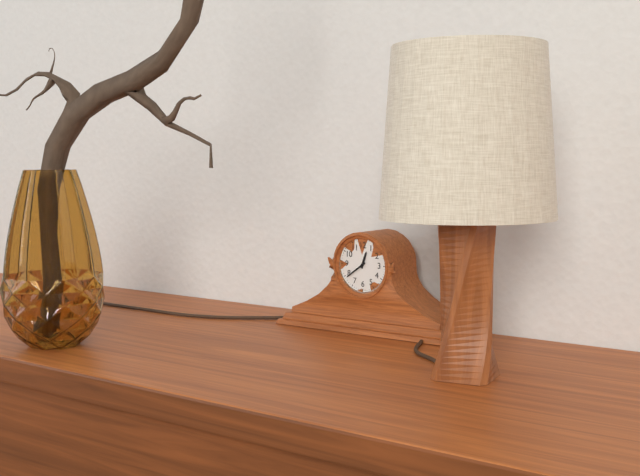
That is **12:39**
